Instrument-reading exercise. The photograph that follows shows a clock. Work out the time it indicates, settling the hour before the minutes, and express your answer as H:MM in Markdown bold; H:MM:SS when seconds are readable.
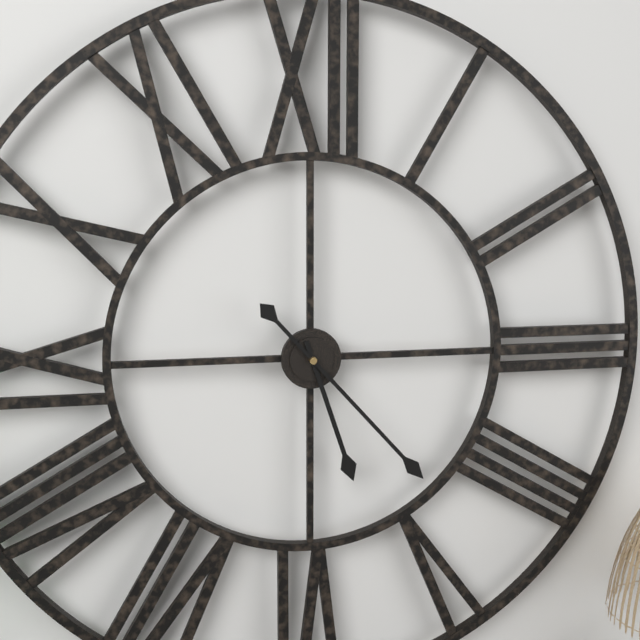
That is **5:23**
